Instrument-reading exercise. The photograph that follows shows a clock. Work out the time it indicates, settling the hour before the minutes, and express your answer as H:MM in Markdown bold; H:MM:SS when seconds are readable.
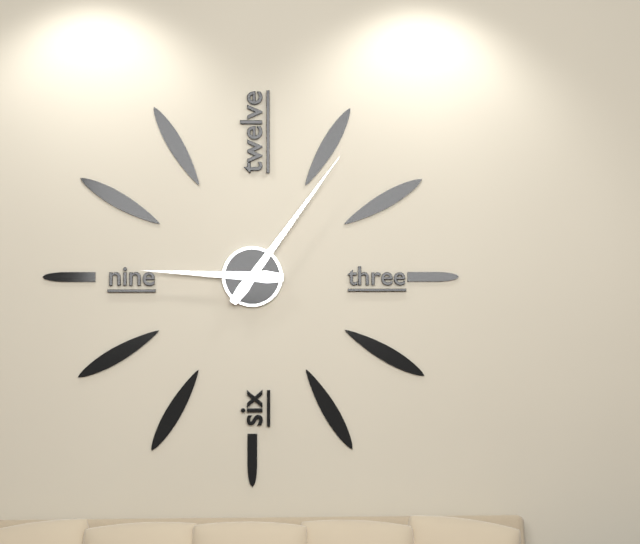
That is **9:06**
